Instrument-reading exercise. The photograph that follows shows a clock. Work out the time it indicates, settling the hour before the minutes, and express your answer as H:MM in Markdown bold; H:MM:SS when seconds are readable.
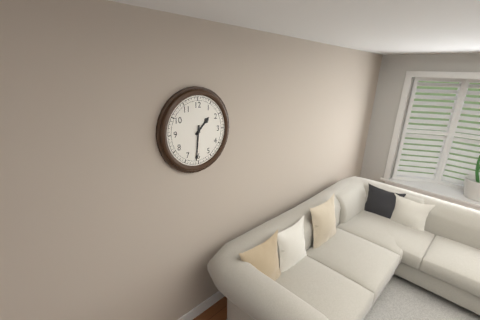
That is **1:31**
